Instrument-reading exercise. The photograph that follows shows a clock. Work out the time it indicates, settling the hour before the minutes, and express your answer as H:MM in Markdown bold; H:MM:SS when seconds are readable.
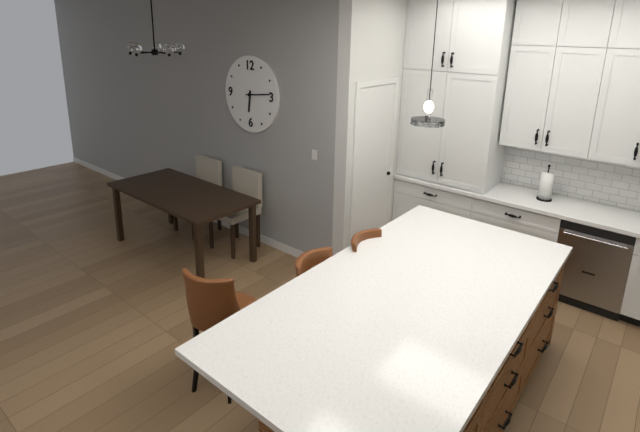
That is **6:14**
